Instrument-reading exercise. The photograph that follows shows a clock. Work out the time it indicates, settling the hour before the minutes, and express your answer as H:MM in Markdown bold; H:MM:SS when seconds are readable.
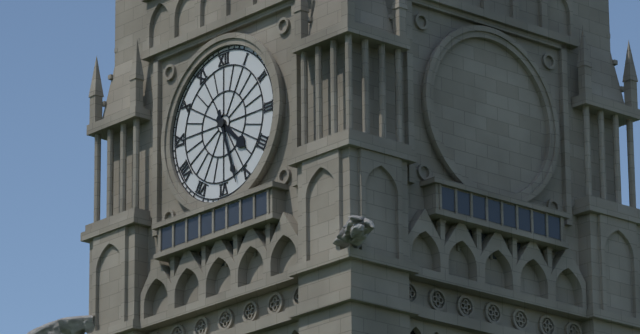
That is **4:27**
